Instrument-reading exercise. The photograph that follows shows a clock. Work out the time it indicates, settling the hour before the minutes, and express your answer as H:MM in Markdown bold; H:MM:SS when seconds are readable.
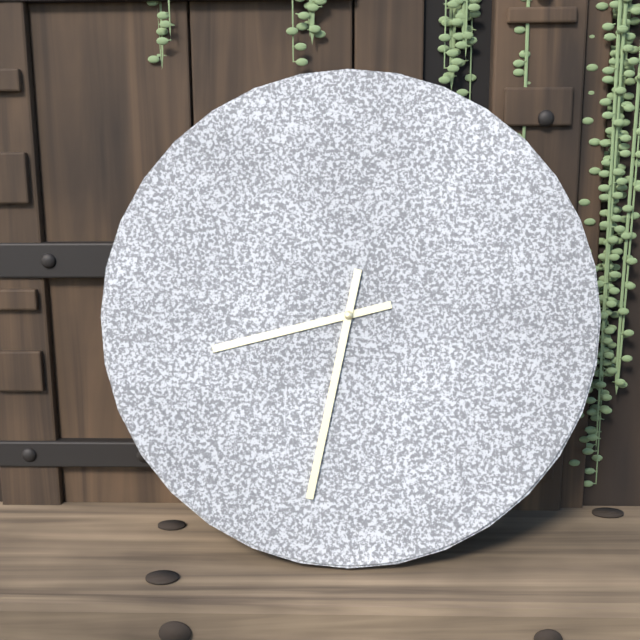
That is **8:32**
